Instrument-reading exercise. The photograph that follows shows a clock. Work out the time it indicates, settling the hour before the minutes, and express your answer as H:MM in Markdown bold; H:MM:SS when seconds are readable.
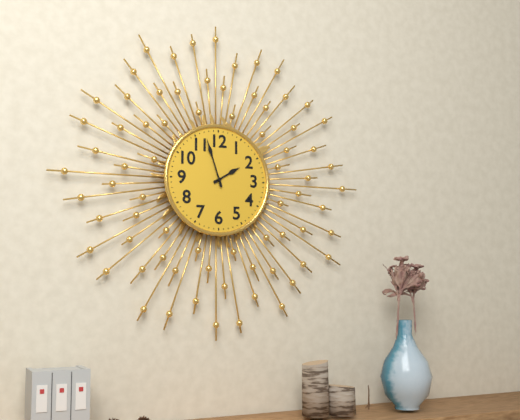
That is **1:57**
